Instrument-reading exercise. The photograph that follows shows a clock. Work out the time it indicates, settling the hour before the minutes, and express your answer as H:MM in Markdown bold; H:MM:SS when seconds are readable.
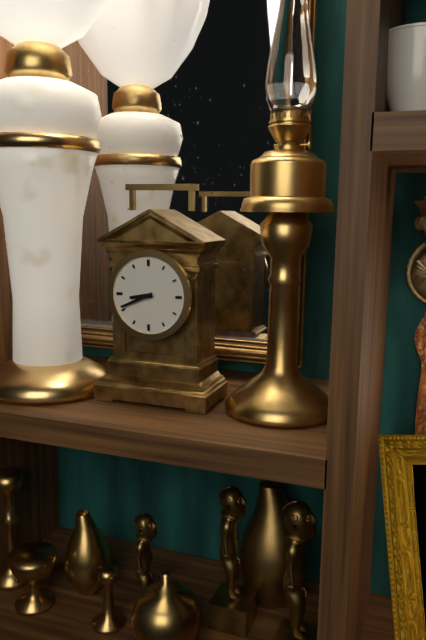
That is **8:41**
